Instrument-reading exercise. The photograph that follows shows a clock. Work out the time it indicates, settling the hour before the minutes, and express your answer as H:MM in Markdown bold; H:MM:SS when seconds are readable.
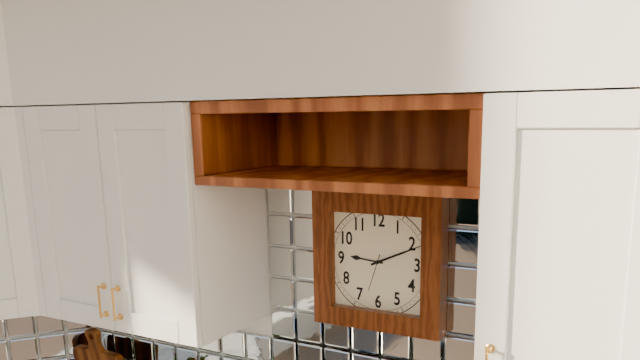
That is **9:11**
